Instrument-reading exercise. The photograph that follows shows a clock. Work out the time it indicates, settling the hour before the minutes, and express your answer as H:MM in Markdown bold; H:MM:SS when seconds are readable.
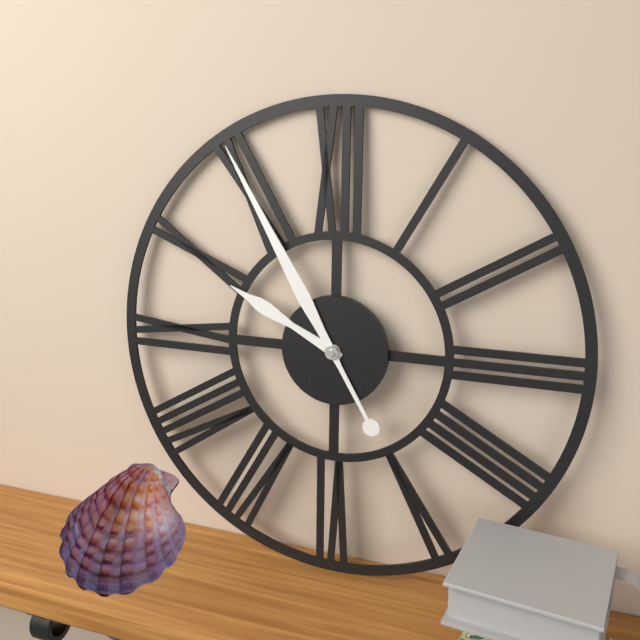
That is **9:55**
